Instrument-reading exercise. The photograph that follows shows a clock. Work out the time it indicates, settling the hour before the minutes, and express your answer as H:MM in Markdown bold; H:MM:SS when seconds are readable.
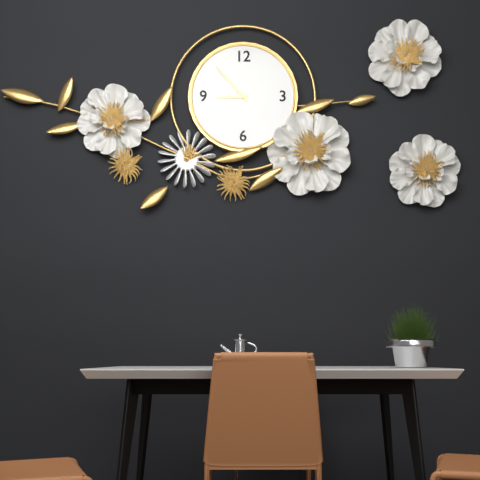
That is **8:53**
